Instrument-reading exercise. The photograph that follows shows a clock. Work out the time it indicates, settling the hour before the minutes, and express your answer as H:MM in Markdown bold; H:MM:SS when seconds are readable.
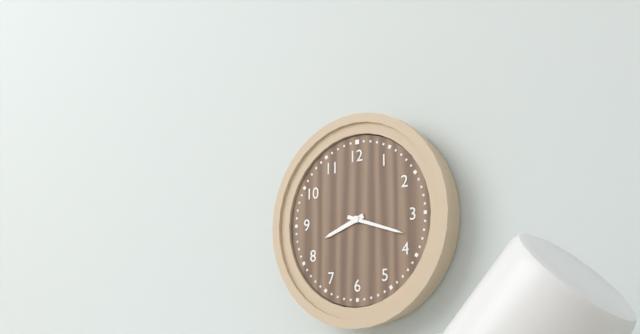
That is **8:18**
